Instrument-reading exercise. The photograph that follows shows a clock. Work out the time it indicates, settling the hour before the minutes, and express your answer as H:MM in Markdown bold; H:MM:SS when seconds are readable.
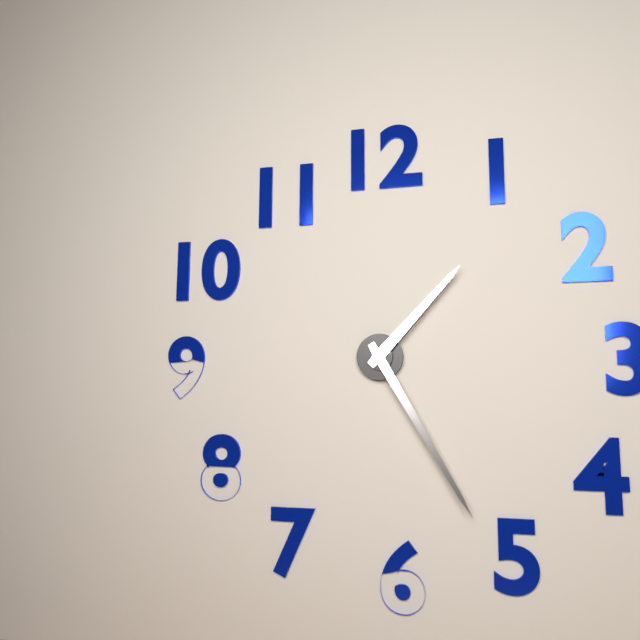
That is **1:25**
